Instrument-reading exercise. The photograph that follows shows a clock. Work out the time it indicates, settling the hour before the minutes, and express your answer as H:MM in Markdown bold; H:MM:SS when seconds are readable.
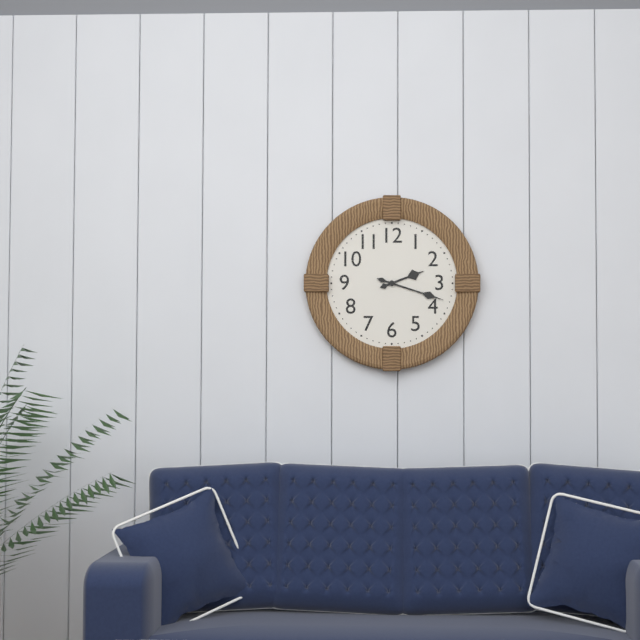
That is **2:18**
